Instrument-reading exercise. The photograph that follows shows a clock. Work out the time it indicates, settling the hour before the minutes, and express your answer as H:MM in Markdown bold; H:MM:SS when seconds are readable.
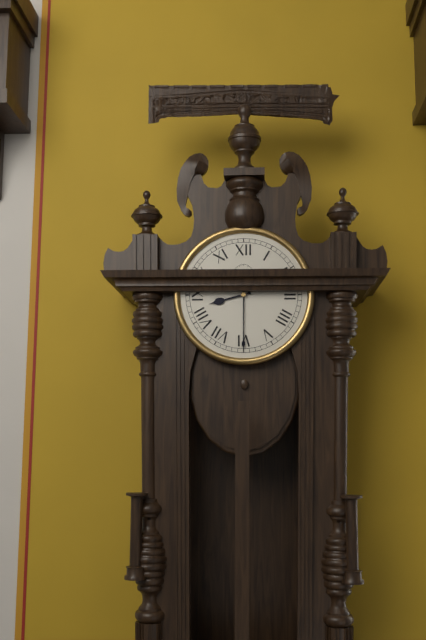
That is **8:30**
